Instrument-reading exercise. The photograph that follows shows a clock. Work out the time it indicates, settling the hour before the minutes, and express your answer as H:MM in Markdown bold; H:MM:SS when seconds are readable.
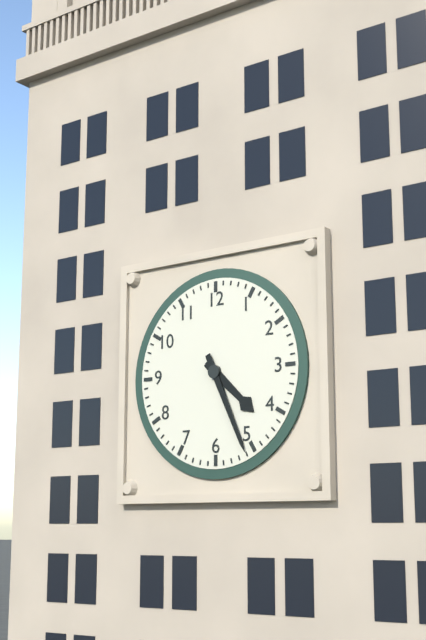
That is **4:26**
